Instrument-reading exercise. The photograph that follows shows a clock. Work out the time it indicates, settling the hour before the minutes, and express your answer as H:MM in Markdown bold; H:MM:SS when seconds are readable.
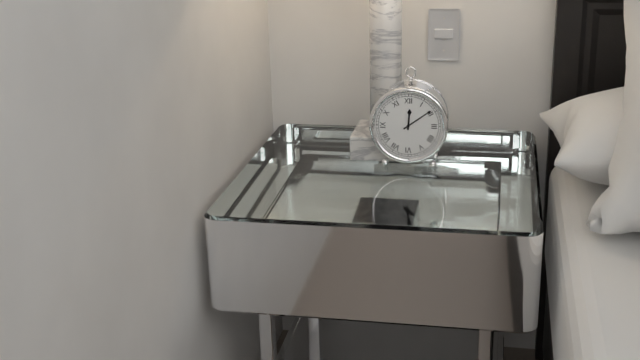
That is **12:09**
